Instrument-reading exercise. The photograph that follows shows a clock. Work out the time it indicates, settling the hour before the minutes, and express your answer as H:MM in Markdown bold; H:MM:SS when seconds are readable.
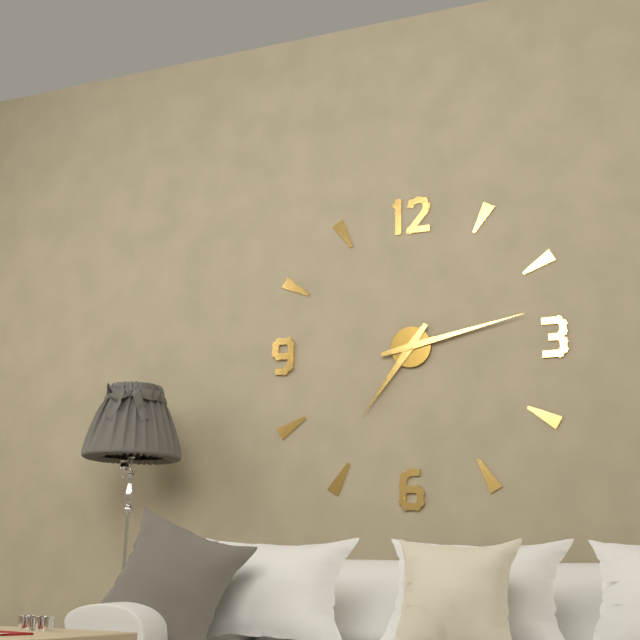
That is **7:13**
